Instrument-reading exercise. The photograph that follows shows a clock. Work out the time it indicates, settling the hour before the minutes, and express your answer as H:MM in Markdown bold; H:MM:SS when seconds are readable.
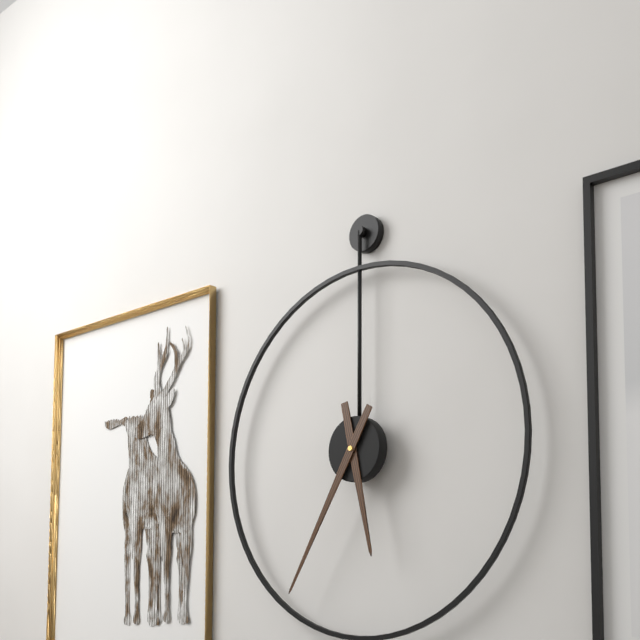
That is **5:35**
